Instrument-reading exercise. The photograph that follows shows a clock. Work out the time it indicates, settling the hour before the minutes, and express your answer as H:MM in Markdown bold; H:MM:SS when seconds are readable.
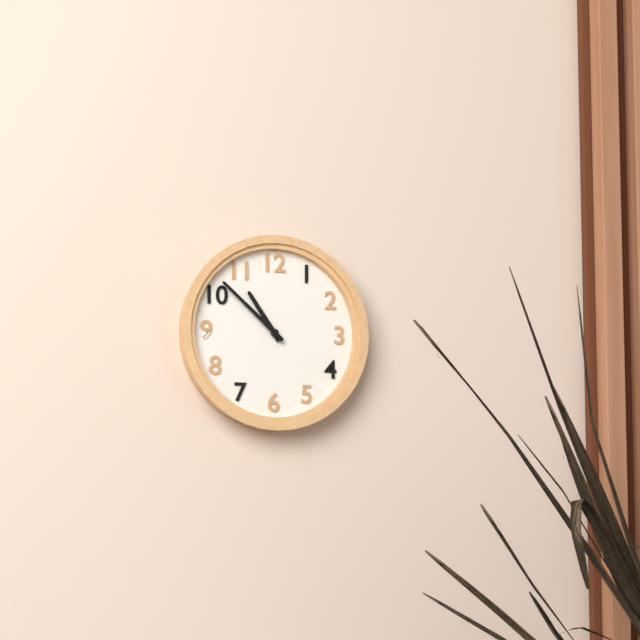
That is **10:52**
